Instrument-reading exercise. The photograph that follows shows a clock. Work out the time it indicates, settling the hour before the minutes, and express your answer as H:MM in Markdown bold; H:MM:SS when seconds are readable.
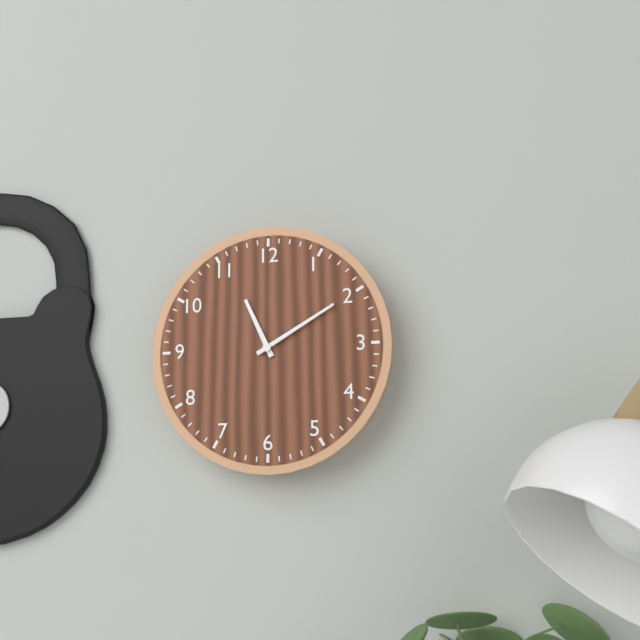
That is **11:10**
